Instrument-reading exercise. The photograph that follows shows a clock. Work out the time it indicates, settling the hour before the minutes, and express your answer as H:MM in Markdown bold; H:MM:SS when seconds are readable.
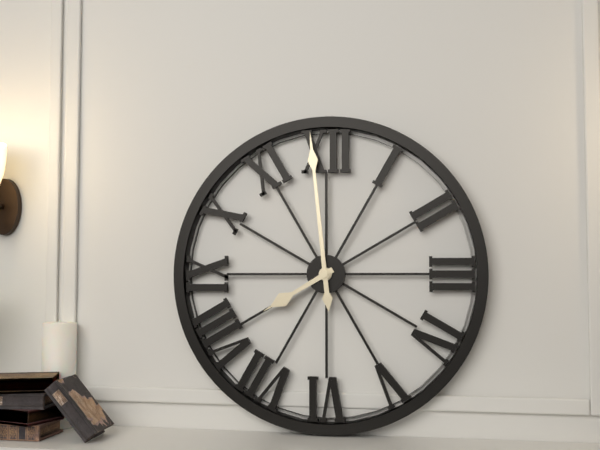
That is **7:59**
